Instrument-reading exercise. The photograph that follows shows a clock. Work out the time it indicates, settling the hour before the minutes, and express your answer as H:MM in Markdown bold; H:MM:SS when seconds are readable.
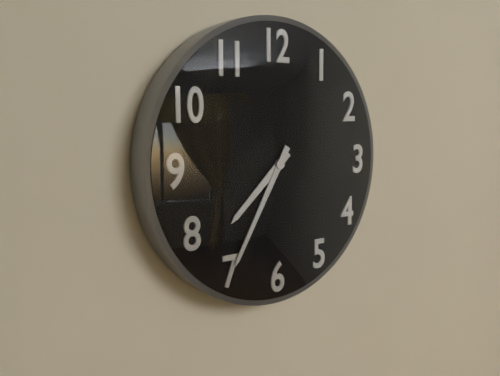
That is **7:35**
